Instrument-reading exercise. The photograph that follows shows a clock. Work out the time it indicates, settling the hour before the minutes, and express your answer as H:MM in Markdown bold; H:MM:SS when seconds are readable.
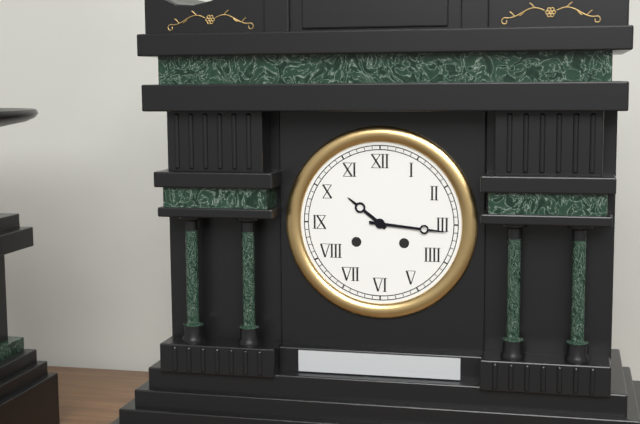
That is **10:16**
